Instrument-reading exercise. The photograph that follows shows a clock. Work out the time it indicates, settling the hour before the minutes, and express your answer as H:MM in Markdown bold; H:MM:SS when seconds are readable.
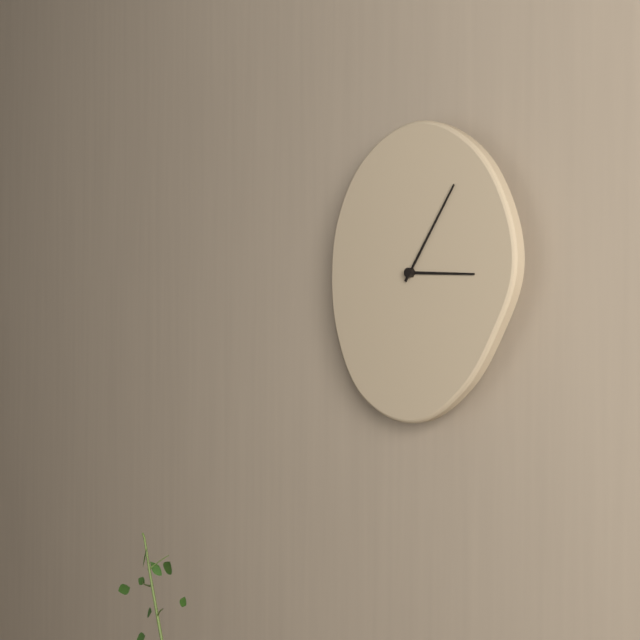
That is **3:06**
